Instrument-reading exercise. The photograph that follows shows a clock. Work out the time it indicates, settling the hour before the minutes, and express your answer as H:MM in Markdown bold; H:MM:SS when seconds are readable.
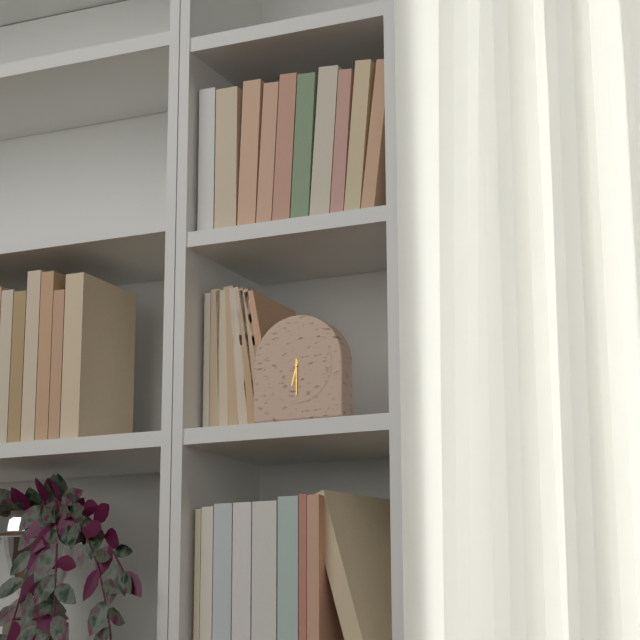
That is **6:30**
